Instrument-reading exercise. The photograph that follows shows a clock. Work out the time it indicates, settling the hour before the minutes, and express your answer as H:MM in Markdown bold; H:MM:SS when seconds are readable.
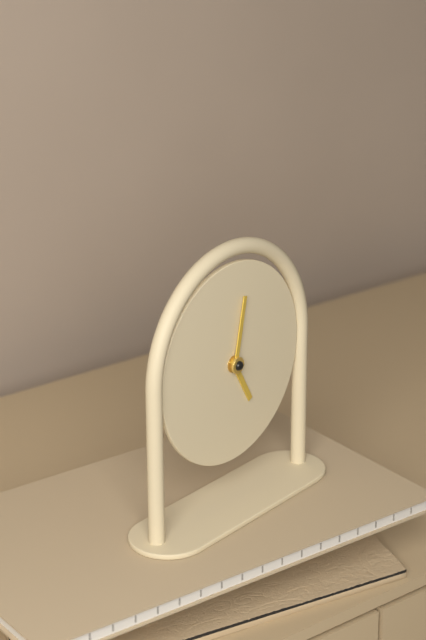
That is **5:02**
